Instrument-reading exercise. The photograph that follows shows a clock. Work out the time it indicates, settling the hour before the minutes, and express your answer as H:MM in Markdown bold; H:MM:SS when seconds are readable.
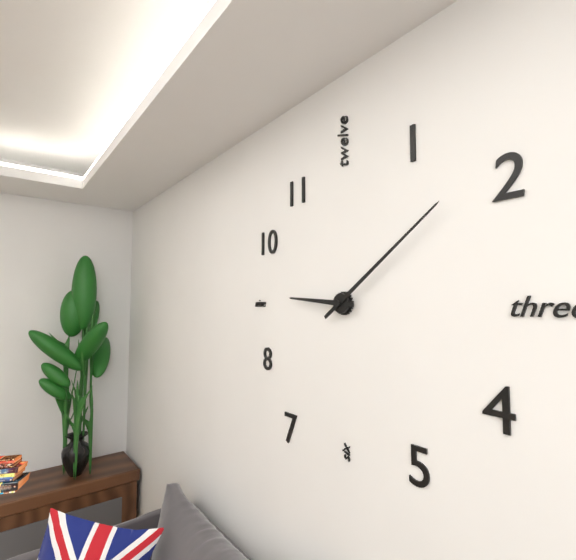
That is **9:09**
